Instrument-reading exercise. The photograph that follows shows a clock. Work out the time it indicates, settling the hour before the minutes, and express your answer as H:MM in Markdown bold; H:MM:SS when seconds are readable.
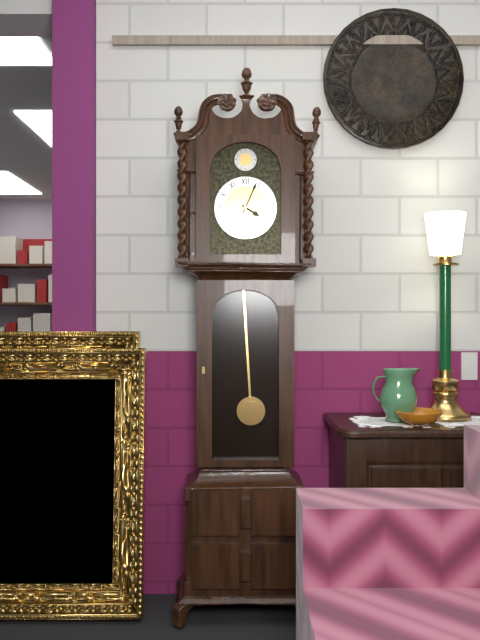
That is **4:04**
